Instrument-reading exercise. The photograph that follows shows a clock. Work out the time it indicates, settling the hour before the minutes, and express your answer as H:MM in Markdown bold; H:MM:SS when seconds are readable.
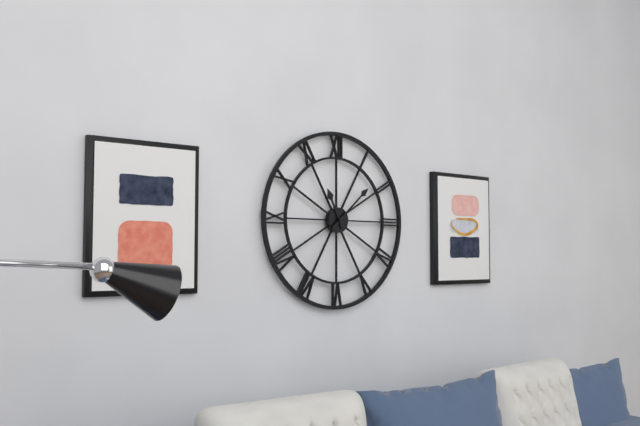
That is **11:08**
